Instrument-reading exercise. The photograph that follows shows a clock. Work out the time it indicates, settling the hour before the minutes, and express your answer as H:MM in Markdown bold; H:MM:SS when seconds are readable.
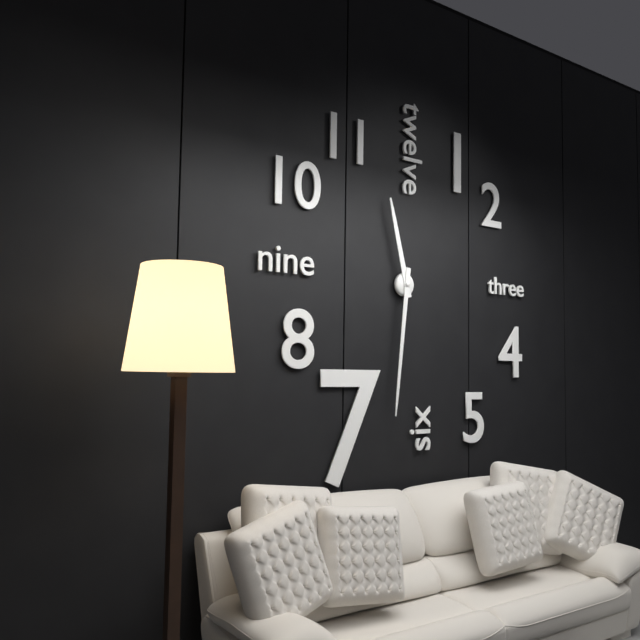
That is **11:31**
